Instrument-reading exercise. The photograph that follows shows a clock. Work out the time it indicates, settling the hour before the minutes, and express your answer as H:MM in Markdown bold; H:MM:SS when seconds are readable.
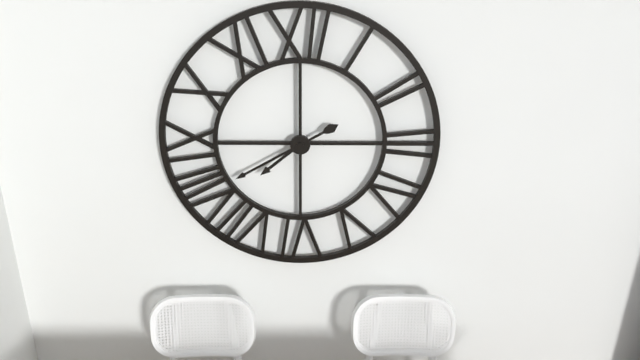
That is **7:40**
